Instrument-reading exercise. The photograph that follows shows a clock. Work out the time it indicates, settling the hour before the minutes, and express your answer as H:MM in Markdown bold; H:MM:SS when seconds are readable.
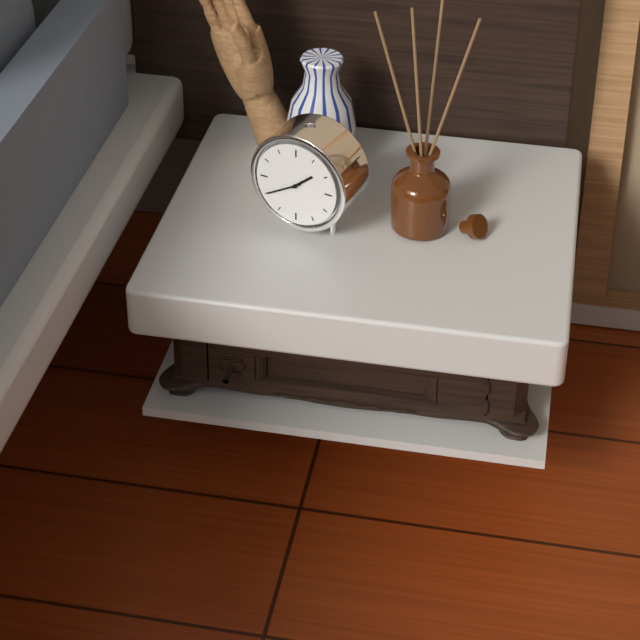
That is **1:40**
